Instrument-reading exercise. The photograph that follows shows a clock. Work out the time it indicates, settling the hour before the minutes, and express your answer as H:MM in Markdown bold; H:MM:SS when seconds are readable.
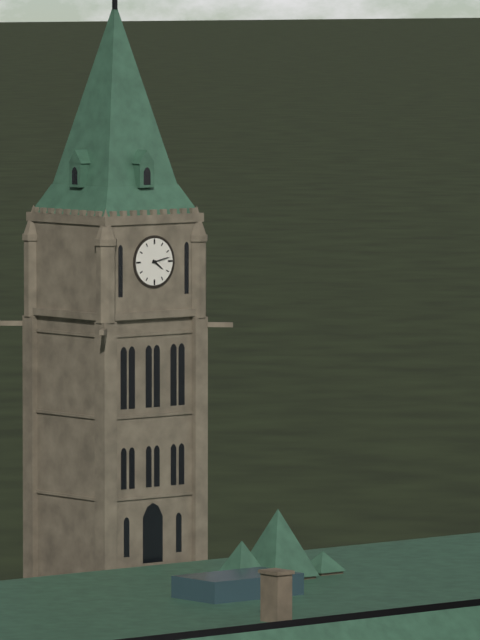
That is **4:13**
